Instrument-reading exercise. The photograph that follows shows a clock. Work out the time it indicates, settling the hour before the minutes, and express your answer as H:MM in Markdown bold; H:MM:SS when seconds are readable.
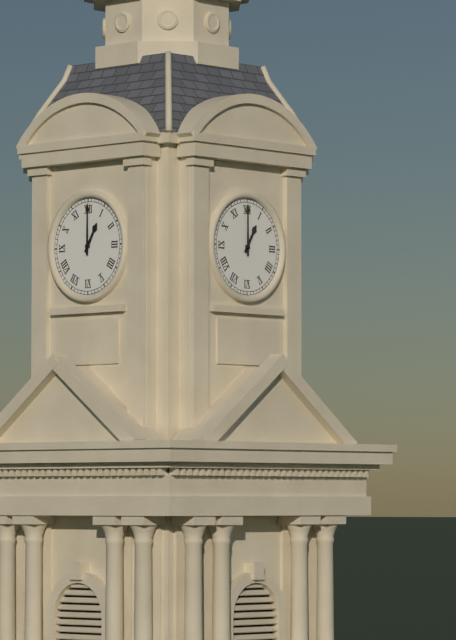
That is **1:00**
